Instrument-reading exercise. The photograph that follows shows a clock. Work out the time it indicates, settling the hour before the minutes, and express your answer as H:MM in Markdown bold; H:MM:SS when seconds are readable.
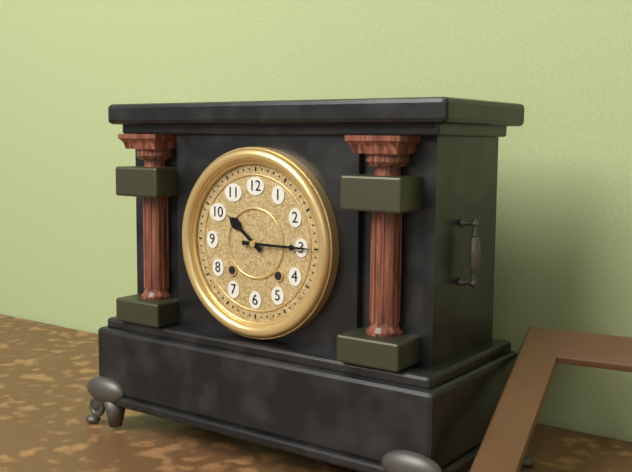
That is **10:15**
